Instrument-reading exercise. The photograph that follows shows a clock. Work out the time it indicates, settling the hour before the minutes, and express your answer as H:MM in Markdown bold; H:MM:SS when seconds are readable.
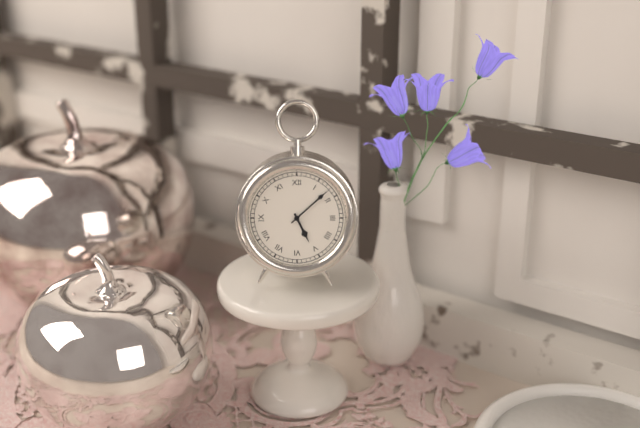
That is **5:08**
